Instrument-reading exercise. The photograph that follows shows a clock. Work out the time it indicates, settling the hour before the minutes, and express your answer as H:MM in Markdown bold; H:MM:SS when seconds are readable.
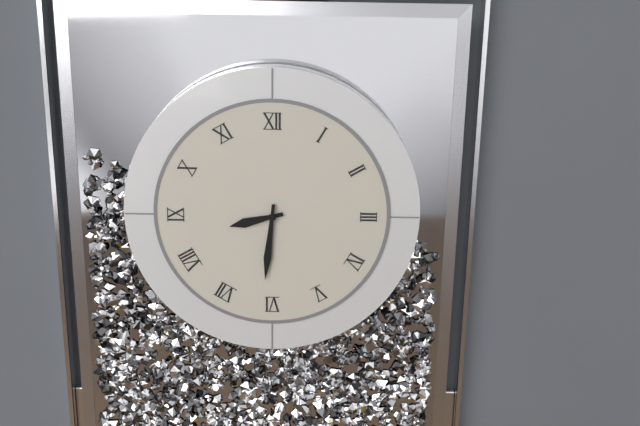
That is **8:31**
